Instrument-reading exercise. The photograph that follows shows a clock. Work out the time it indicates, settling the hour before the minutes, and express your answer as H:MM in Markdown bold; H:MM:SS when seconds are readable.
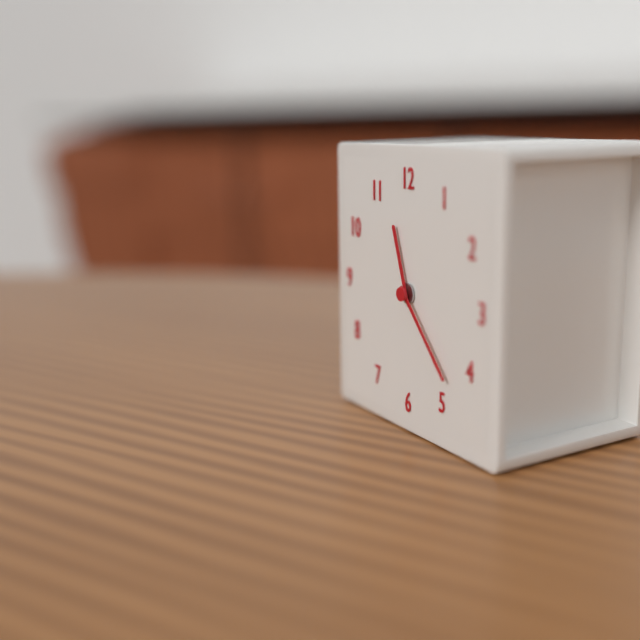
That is **11:23**
